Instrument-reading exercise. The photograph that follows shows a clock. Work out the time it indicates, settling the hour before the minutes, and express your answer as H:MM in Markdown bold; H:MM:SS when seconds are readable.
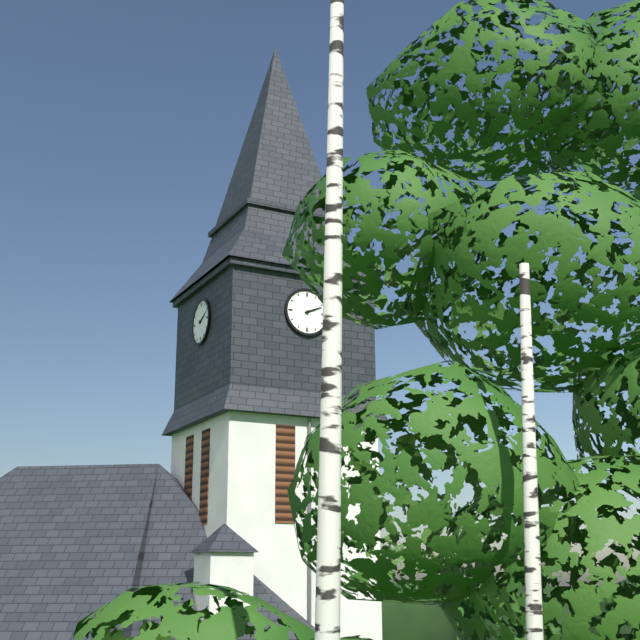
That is **2:11**
